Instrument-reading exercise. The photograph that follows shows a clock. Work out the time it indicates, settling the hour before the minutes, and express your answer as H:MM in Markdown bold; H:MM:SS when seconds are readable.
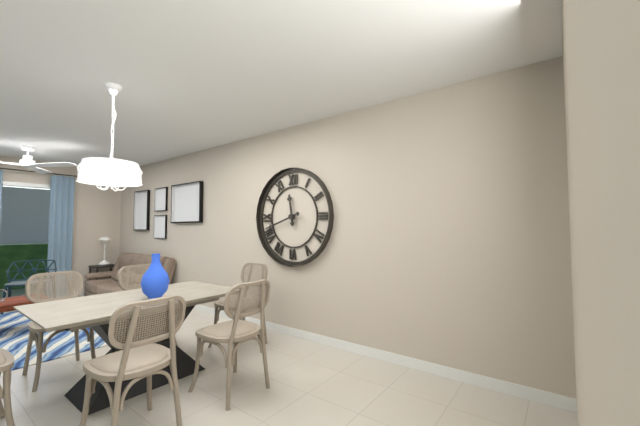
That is **11:42**
